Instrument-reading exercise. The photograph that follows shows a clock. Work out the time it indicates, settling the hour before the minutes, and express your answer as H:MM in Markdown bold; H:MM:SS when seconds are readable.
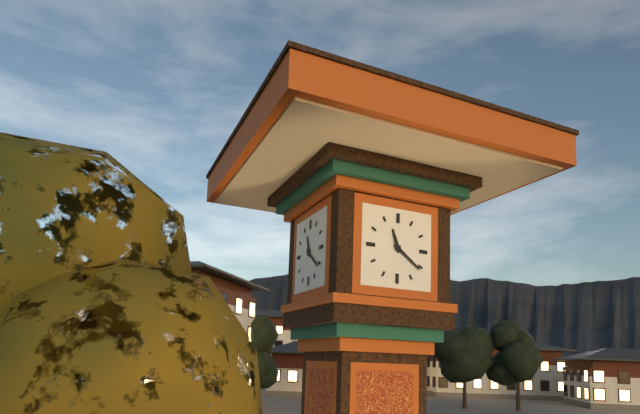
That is **11:21**
